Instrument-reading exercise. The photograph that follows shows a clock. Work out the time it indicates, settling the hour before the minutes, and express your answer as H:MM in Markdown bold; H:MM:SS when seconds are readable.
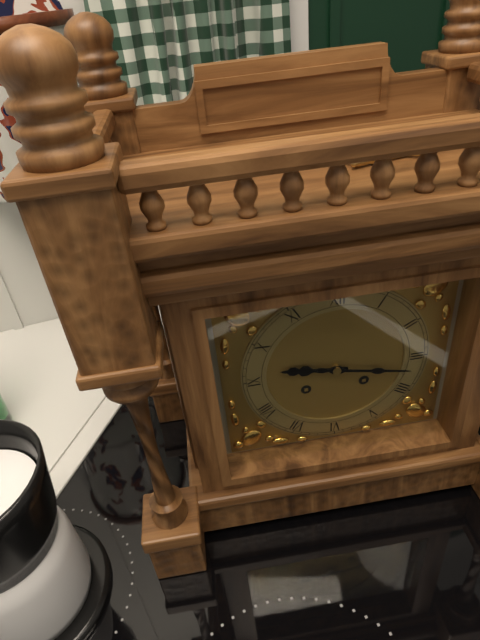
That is **9:17**
